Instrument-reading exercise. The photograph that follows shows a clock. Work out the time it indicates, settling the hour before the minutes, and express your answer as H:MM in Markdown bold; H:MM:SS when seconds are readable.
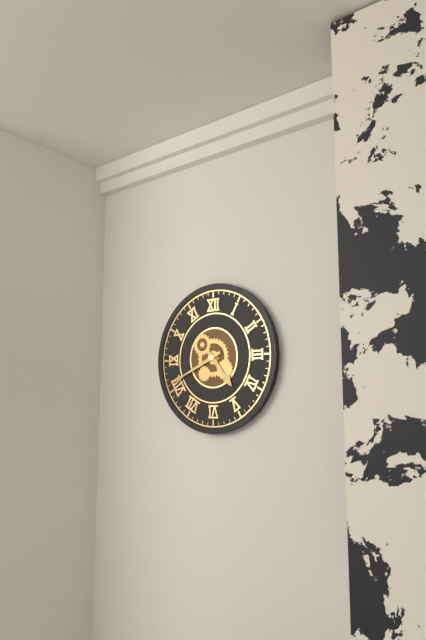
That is **4:41**
